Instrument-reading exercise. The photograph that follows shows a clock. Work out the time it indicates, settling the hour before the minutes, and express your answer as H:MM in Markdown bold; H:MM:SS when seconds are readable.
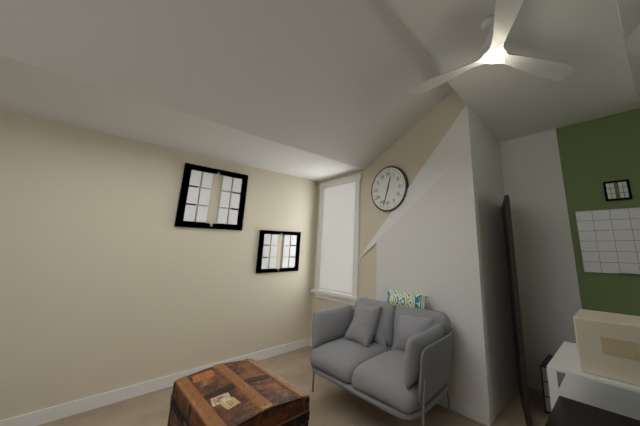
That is **12:33**
